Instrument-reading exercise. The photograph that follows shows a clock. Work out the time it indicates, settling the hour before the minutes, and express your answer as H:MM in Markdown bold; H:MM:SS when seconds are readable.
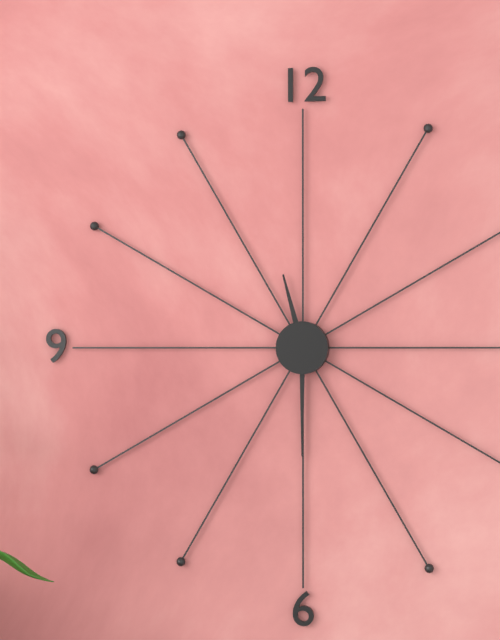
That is **11:30**
